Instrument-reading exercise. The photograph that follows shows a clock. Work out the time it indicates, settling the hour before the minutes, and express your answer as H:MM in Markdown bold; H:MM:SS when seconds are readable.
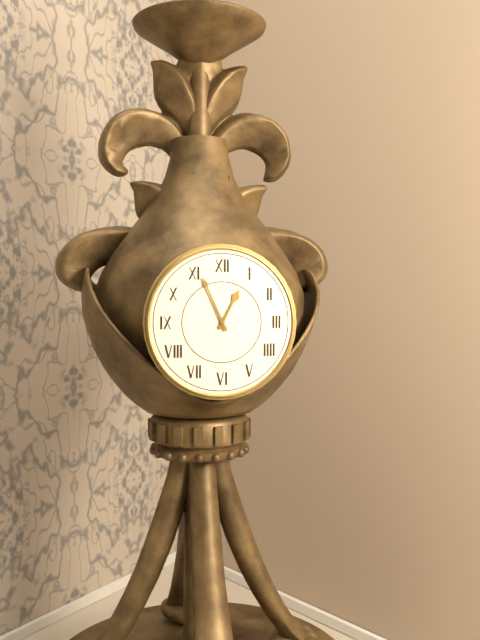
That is **12:56**
